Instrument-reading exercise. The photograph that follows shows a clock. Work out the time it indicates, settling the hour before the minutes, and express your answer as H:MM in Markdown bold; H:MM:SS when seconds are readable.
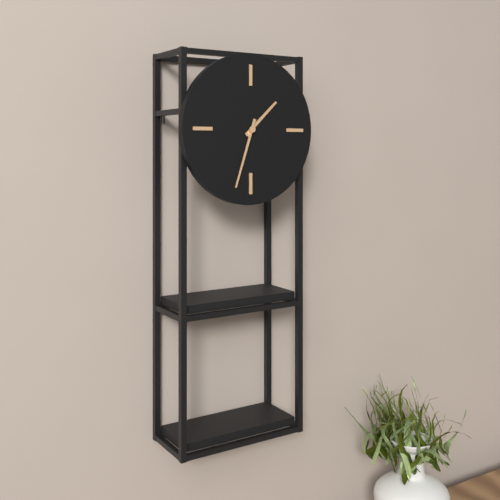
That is **1:33**
